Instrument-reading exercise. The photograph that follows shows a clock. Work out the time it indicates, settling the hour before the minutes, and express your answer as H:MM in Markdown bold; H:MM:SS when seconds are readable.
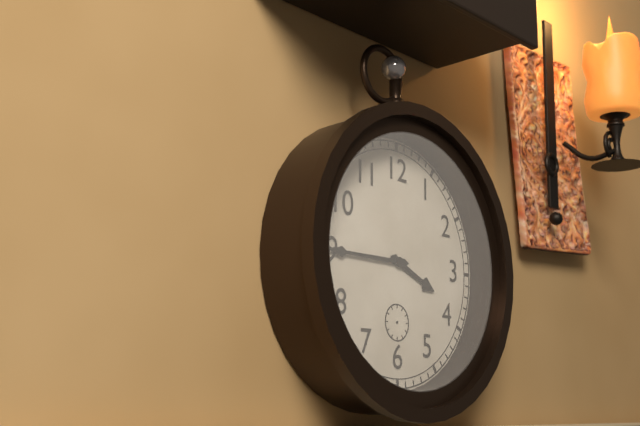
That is **3:45**
